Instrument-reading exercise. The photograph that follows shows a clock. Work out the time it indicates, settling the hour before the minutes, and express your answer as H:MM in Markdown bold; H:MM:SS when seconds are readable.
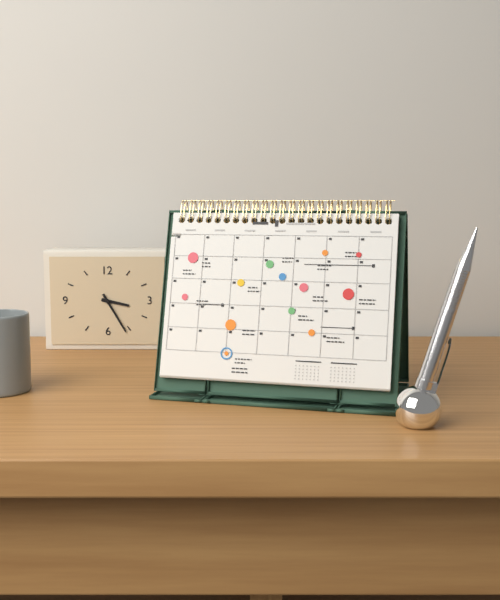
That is **3:25**
